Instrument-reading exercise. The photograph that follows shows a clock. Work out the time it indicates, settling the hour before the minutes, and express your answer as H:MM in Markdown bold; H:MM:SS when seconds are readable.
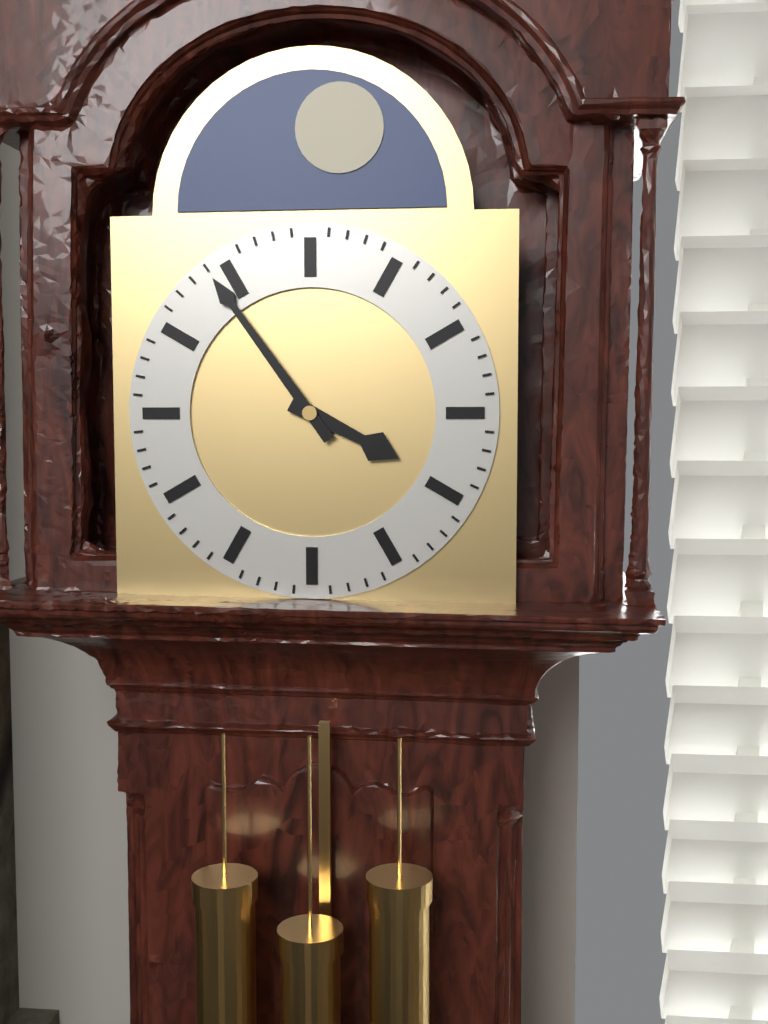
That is **3:54**
